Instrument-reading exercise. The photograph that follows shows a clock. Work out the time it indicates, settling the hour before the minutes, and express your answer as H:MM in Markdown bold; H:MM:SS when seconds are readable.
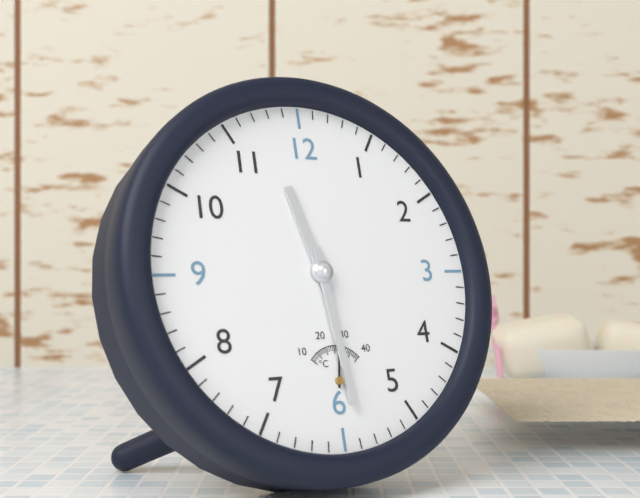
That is **11:29**
